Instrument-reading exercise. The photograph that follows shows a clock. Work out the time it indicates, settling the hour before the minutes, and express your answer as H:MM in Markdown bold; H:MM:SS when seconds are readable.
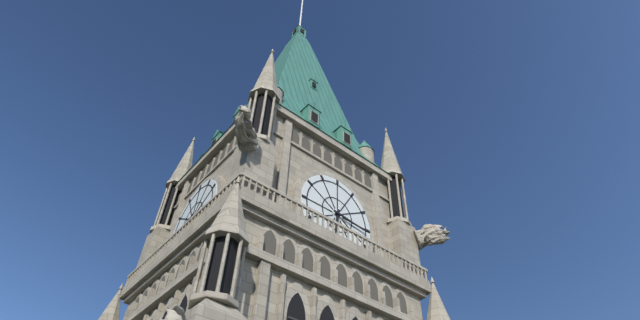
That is **6:16**
